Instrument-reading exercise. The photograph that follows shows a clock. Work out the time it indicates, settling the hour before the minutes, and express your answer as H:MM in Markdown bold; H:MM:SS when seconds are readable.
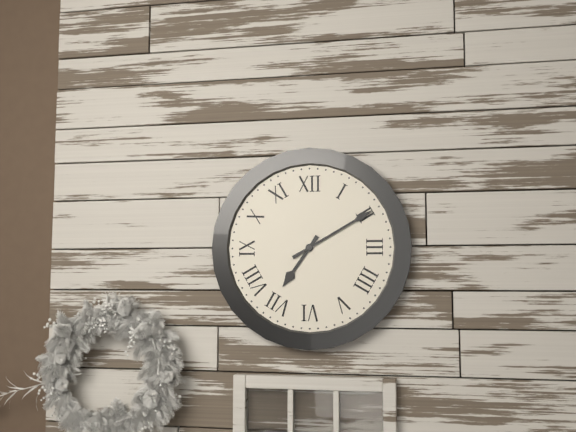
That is **7:10**
